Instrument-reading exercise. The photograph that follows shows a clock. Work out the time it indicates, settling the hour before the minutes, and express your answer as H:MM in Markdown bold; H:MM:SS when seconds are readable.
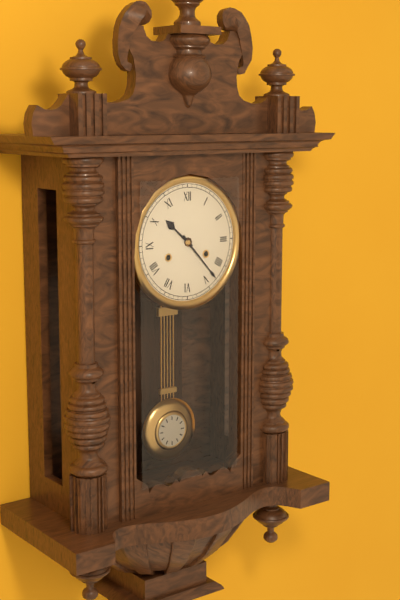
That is **10:23**
